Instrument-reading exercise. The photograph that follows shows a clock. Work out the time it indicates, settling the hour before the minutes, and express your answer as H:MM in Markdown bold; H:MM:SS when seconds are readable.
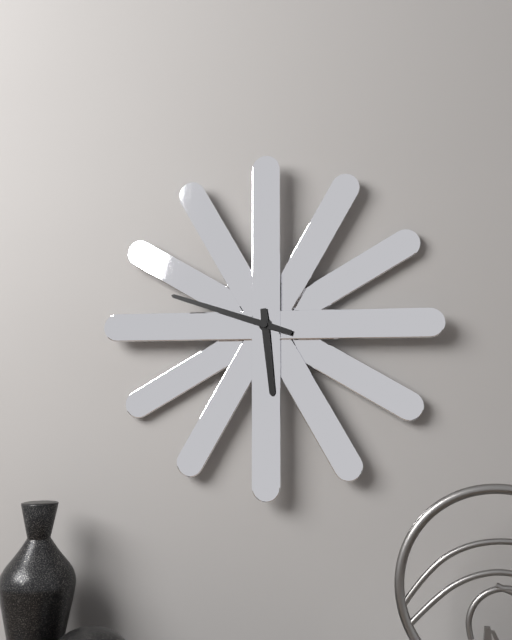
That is **5:48**
